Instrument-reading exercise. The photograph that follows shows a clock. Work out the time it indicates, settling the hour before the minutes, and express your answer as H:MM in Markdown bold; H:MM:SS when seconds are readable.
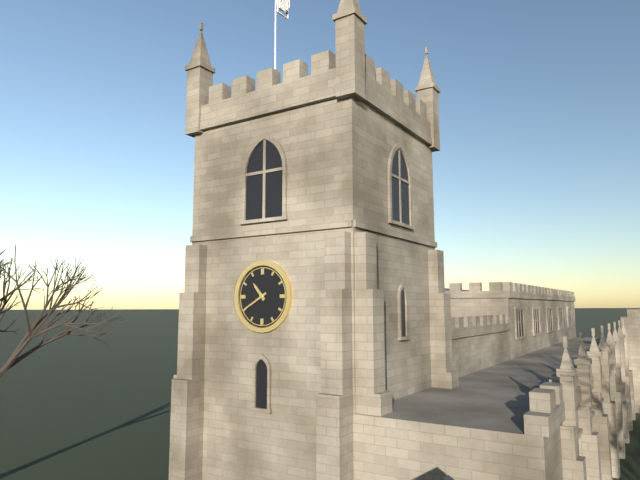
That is **10:40**
